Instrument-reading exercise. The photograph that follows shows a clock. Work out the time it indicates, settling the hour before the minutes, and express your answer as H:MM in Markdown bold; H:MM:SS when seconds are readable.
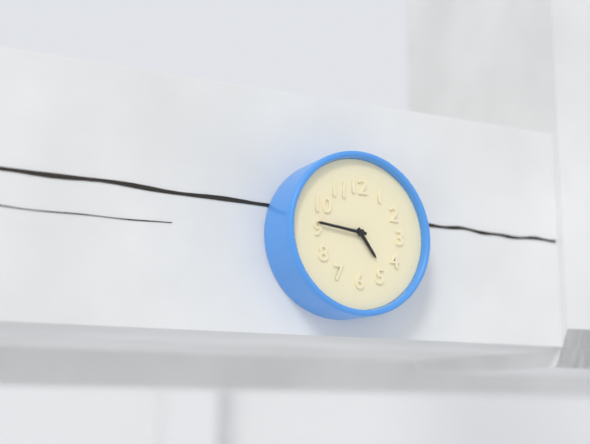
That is **4:46**
